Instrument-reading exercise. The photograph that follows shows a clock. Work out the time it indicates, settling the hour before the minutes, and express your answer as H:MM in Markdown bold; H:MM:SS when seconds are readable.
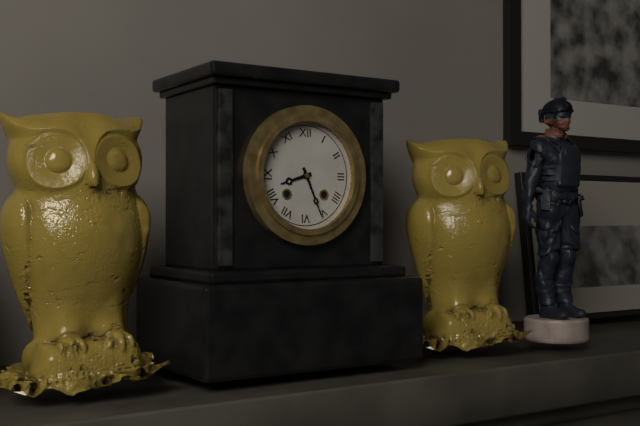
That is **8:26**
